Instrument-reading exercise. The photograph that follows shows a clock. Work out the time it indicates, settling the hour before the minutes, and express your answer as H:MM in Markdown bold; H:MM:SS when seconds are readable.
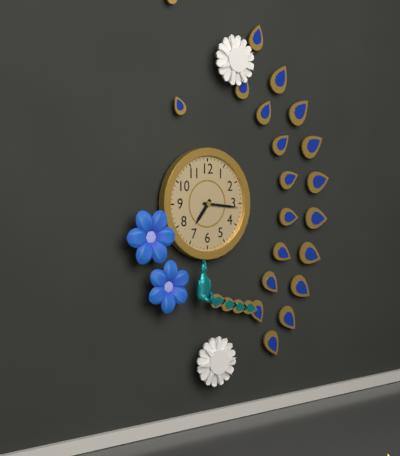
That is **7:16**
